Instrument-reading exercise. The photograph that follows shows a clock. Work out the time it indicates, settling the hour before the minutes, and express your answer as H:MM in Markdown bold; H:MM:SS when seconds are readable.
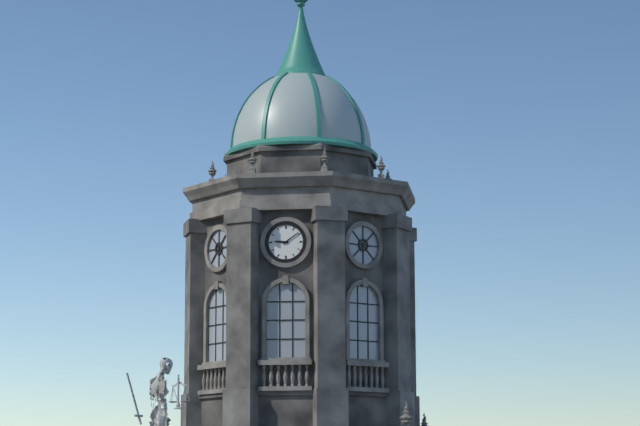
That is **9:09**
